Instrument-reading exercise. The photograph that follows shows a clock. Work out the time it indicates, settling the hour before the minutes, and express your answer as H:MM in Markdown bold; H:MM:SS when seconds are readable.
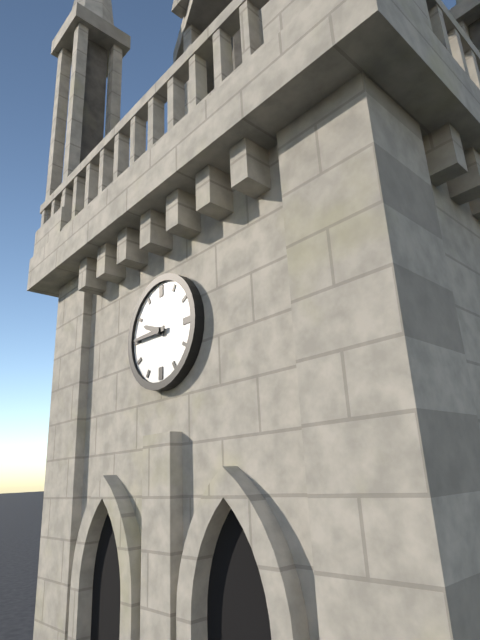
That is **9:45**
